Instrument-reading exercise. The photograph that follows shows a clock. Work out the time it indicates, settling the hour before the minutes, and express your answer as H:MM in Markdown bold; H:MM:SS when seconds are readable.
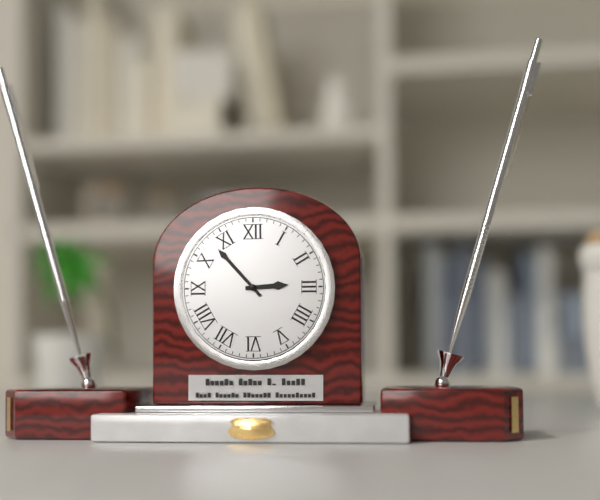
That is **2:53**
